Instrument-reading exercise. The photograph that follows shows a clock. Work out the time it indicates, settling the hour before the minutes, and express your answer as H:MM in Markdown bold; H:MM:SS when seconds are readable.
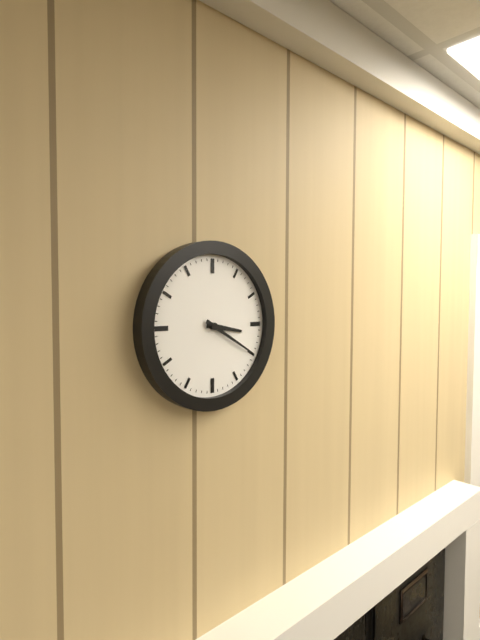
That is **3:20**
